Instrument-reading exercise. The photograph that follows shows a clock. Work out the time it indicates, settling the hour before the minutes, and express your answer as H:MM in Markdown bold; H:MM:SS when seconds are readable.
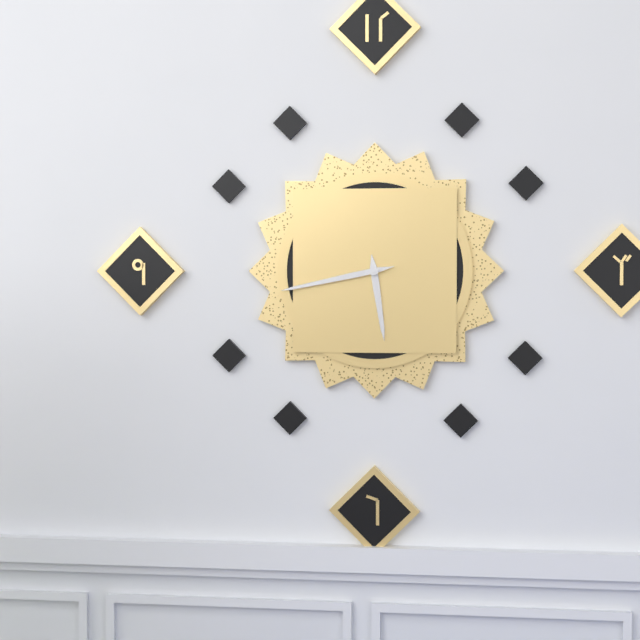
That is **5:43**
